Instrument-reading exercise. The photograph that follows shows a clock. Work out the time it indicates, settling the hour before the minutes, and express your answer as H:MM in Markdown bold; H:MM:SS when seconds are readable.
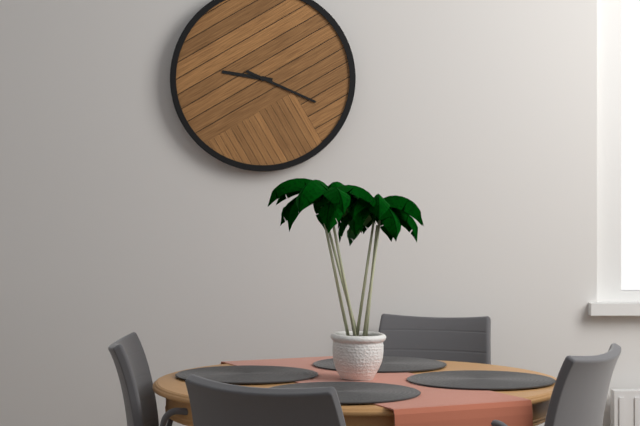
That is **9:19**
